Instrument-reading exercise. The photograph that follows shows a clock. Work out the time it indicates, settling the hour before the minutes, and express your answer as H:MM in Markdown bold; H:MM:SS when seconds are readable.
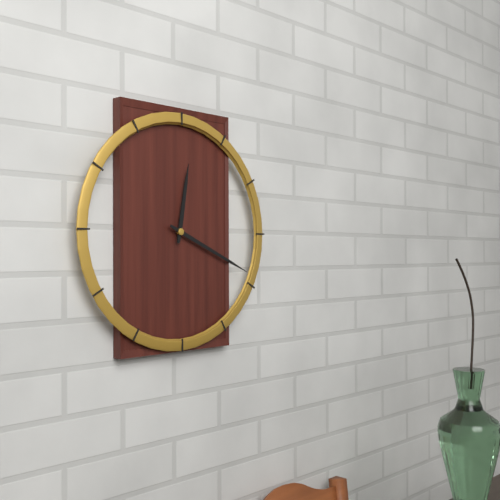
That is **12:19**
